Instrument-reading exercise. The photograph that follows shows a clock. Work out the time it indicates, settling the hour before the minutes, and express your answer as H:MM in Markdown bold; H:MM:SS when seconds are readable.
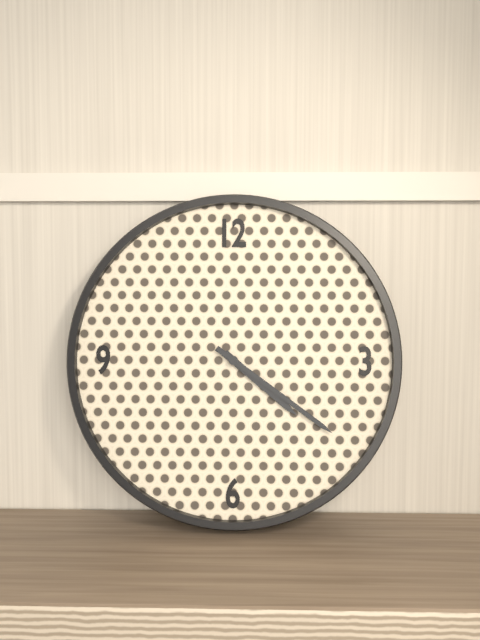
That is **4:21**
